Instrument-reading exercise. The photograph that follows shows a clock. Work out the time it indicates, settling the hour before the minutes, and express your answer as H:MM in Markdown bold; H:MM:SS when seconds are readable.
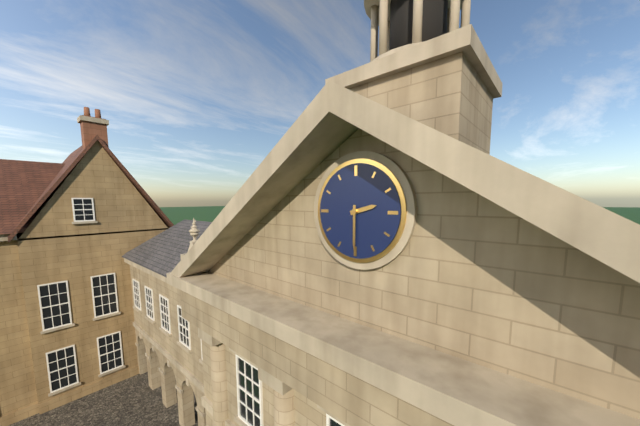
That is **2:30**
